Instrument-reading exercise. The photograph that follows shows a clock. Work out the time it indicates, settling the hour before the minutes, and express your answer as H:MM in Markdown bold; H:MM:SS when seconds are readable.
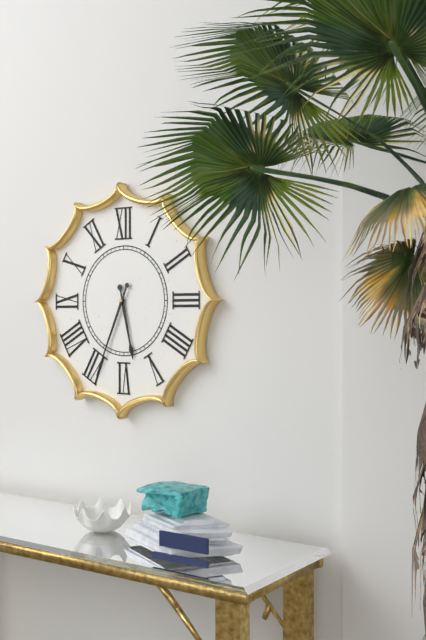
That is **5:34**
